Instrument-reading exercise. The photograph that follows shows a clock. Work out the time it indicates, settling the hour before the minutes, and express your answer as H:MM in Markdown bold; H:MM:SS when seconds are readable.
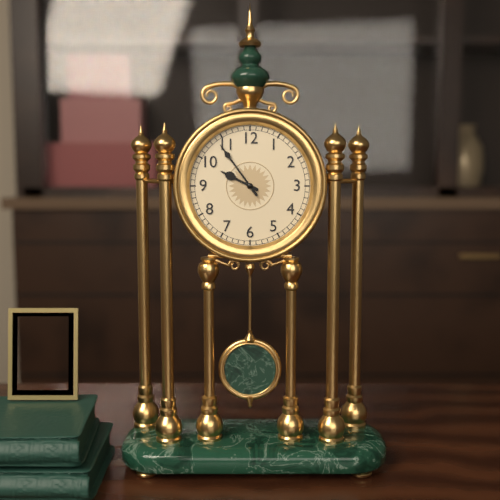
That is **9:54**
